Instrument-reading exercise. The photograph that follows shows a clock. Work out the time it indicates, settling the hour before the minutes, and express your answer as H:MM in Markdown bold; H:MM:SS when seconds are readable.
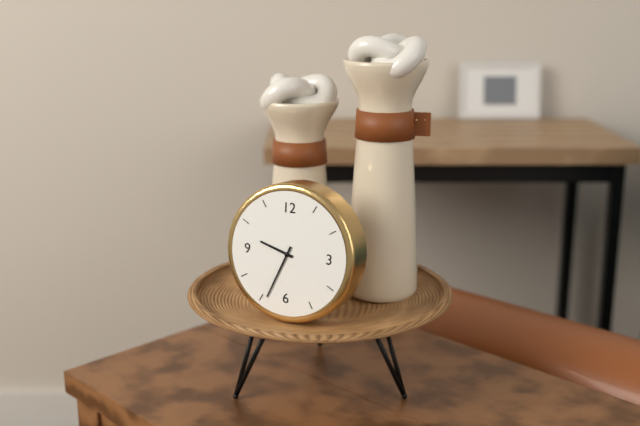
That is **9:34**
